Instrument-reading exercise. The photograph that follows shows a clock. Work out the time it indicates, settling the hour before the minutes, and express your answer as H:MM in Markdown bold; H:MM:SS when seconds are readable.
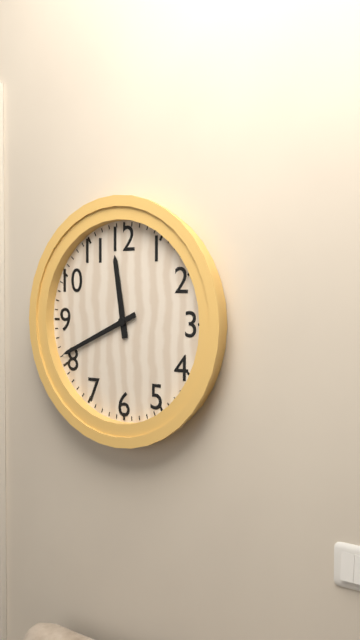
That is **11:41**
